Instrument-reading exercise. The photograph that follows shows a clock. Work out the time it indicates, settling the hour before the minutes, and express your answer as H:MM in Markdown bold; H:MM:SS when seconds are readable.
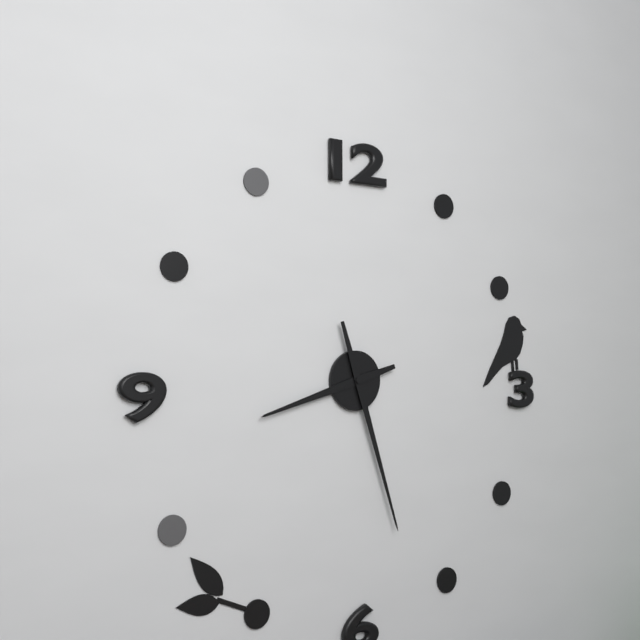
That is **8:27**
